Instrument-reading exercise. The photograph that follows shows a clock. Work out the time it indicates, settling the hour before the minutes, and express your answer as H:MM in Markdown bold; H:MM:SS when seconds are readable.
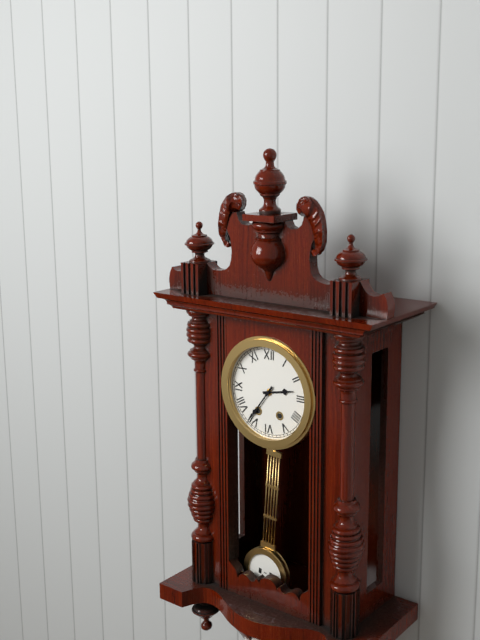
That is **2:36**
